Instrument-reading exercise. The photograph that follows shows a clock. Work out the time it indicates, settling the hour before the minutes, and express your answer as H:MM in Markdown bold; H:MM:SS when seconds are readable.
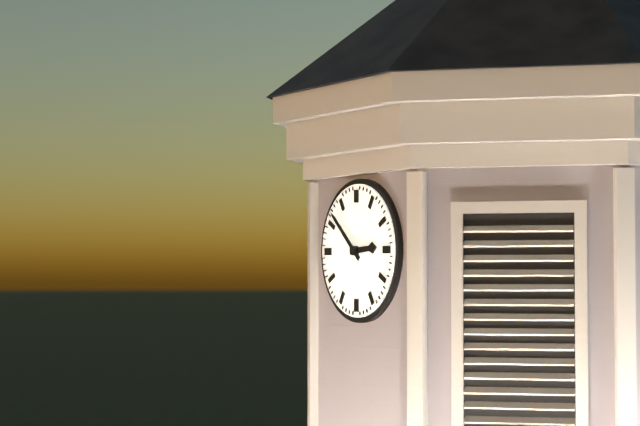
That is **2:52**
